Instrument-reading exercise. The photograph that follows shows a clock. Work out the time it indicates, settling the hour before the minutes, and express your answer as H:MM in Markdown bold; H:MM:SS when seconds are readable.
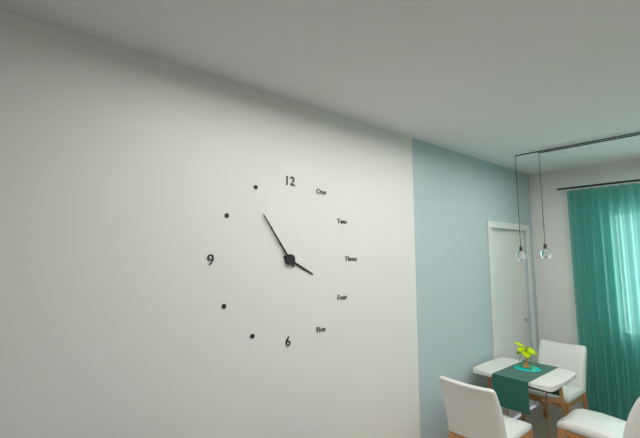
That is **3:54**
